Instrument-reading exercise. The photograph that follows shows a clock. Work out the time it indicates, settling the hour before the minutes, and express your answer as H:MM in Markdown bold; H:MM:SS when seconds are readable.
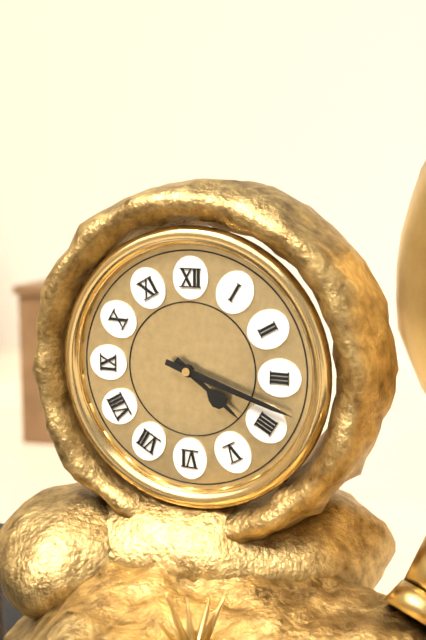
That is **4:18**
